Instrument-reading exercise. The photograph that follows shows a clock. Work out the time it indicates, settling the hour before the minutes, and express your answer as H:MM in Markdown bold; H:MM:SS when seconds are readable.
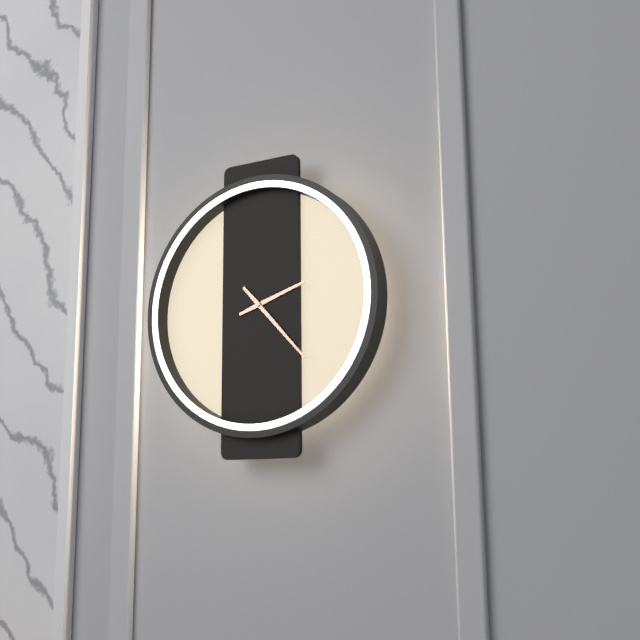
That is **2:23**
